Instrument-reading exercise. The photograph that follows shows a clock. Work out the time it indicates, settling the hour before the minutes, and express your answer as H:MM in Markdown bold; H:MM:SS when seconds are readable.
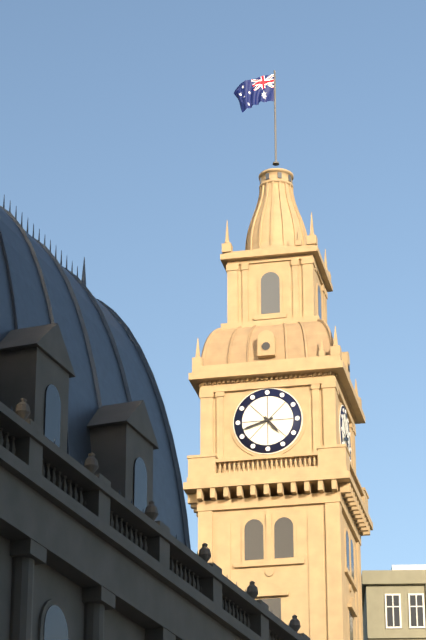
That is **4:42**
